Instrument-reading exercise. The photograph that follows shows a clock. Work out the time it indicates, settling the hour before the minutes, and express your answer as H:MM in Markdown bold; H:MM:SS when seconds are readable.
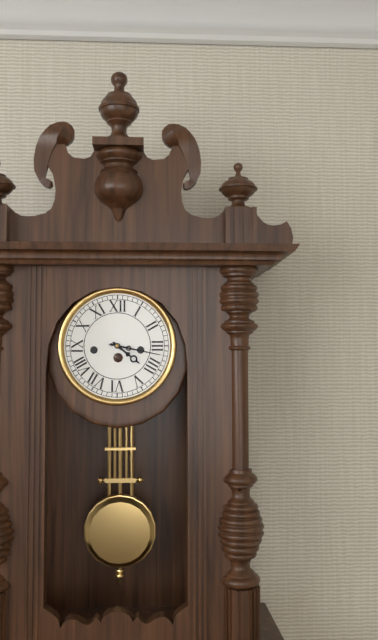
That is **4:17**
